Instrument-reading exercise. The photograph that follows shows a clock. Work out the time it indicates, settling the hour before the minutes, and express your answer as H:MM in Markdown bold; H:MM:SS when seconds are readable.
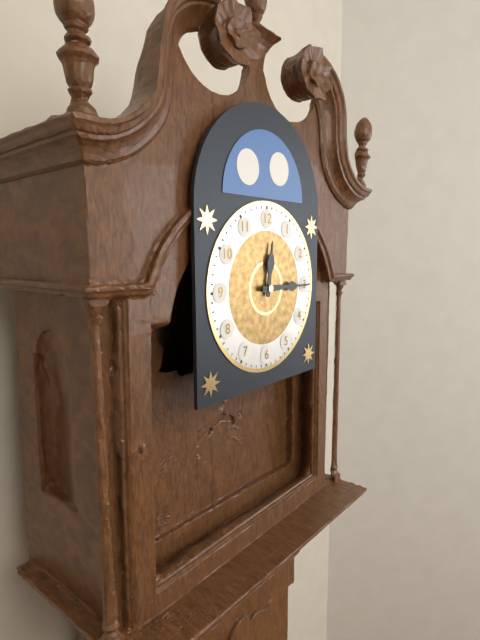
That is **12:15**
